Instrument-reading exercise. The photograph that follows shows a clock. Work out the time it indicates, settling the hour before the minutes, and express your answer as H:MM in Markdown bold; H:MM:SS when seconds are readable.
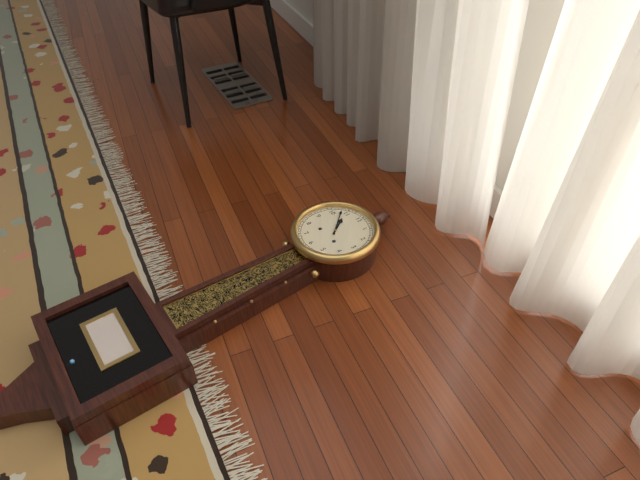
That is **10:53**
